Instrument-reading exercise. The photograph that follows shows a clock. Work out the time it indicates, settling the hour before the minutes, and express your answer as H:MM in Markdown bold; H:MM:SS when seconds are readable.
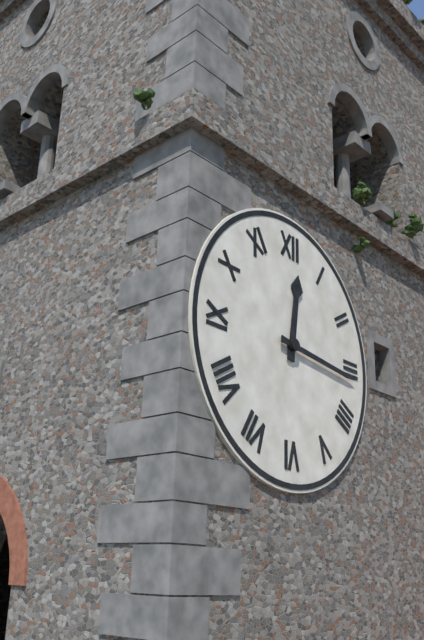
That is **12:16**
